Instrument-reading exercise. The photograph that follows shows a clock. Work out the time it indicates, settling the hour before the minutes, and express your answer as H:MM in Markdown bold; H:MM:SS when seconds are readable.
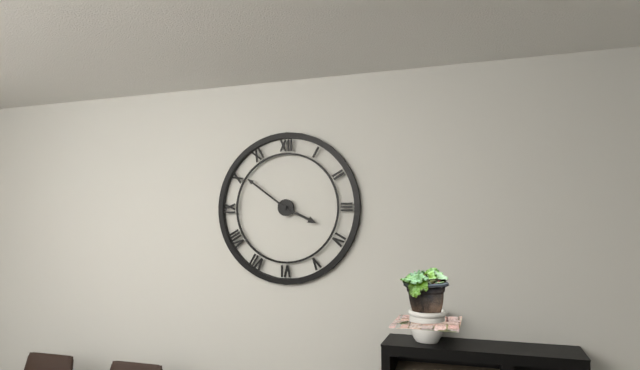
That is **3:51**
